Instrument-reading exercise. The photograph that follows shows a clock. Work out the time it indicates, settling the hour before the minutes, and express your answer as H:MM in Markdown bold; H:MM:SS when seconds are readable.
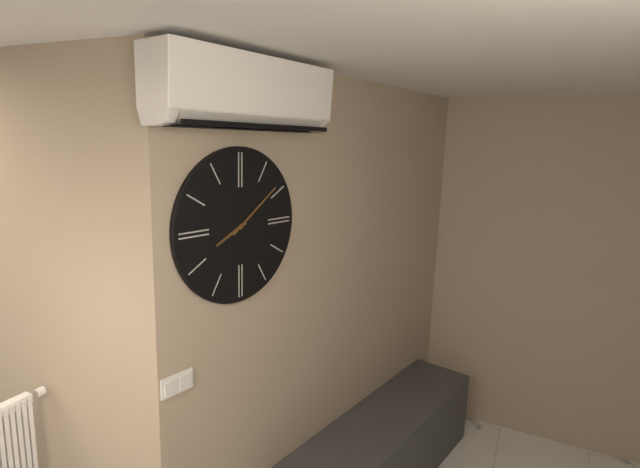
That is **8:09**
